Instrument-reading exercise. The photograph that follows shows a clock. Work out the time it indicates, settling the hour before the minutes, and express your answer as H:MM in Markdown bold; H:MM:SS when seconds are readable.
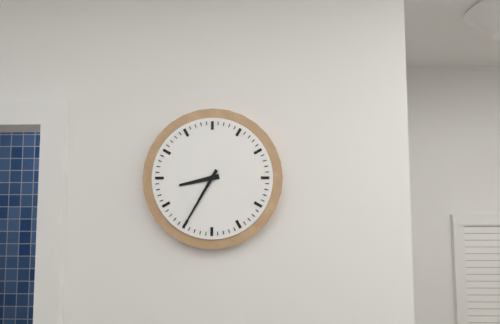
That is **8:35**
